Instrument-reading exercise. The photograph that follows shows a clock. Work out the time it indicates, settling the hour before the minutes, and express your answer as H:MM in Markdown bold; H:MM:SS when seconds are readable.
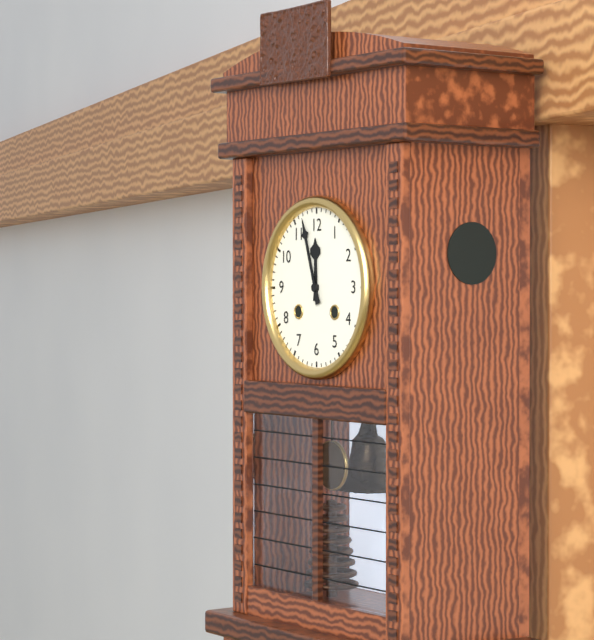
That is **11:57**
